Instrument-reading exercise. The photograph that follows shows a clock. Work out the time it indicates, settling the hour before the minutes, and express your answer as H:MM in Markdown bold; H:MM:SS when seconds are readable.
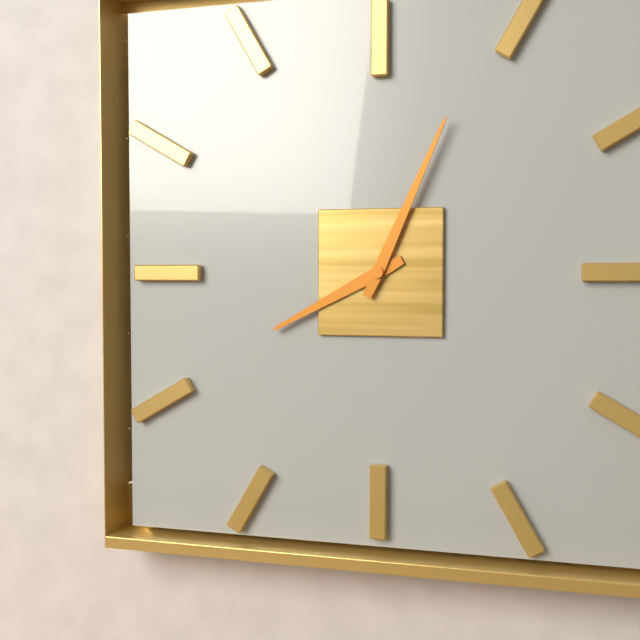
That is **8:04**
